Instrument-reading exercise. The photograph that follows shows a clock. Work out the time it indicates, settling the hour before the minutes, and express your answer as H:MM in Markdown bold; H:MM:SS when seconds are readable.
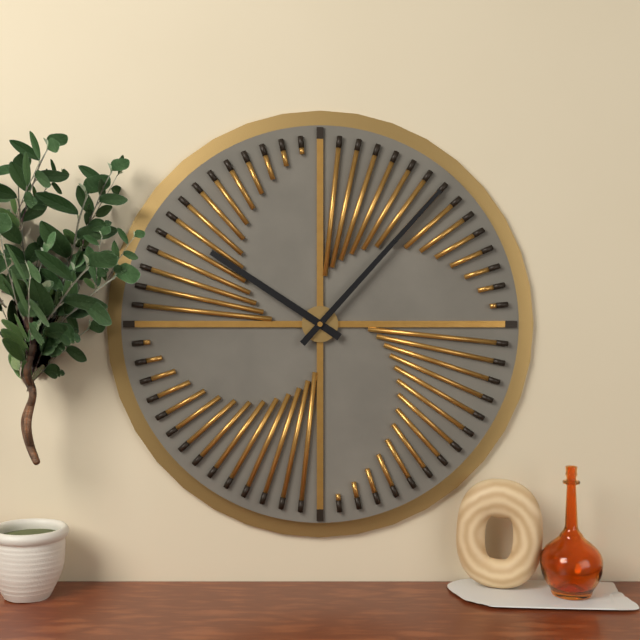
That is **10:07**
